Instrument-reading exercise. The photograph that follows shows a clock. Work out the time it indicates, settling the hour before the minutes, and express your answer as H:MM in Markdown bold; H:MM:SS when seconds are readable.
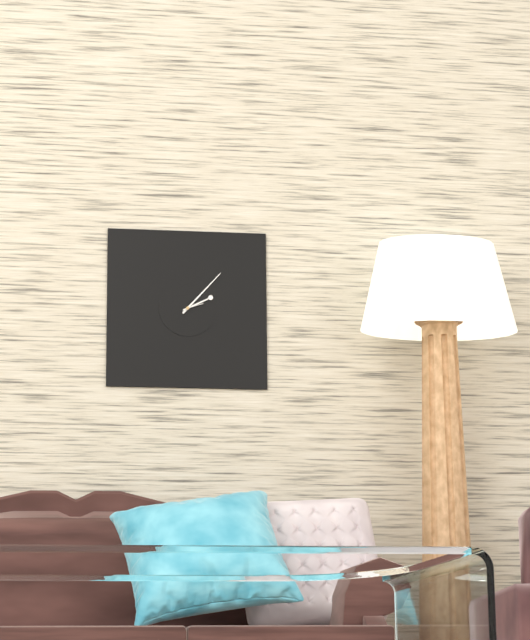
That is **2:07**
